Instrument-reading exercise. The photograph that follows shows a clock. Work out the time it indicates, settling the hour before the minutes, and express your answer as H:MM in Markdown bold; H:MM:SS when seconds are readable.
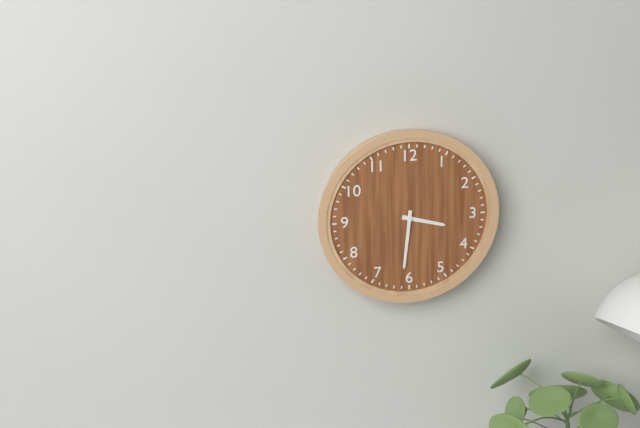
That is **3:31**
